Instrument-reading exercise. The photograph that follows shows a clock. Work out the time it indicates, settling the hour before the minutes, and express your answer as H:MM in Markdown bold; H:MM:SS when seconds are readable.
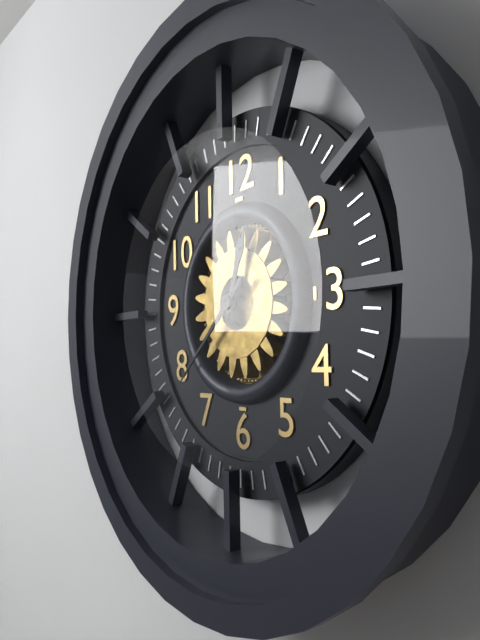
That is **12:38**
